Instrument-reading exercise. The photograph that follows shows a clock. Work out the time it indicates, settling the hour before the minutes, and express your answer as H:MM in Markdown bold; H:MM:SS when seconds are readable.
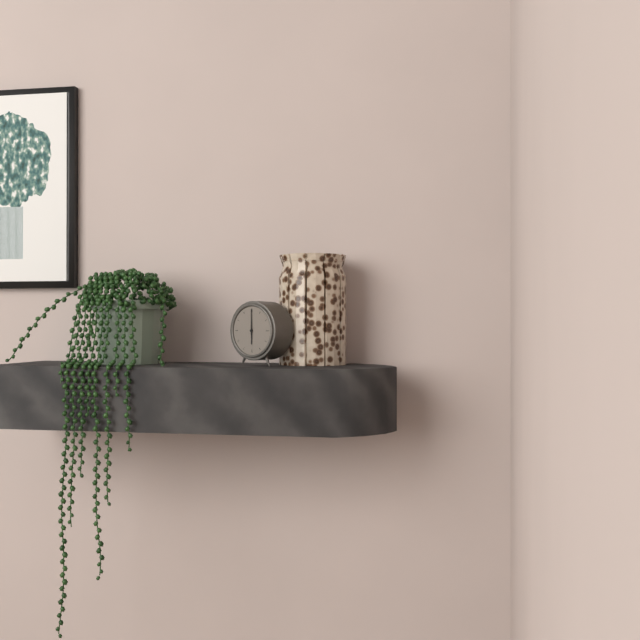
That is **6:00**
